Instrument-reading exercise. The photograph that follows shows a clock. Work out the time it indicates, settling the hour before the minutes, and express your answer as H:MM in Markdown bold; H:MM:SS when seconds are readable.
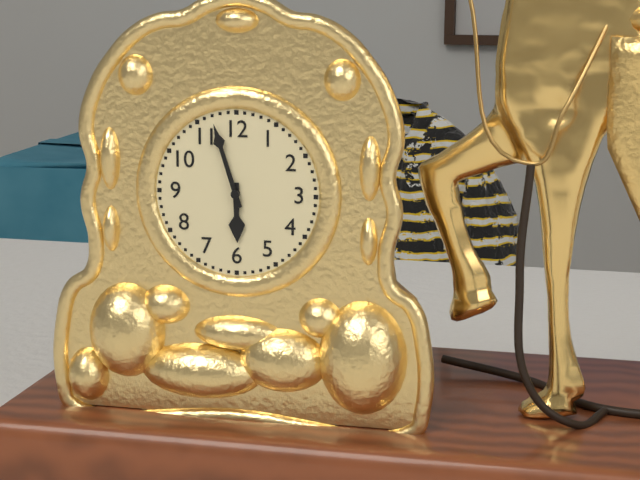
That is **5:57**
